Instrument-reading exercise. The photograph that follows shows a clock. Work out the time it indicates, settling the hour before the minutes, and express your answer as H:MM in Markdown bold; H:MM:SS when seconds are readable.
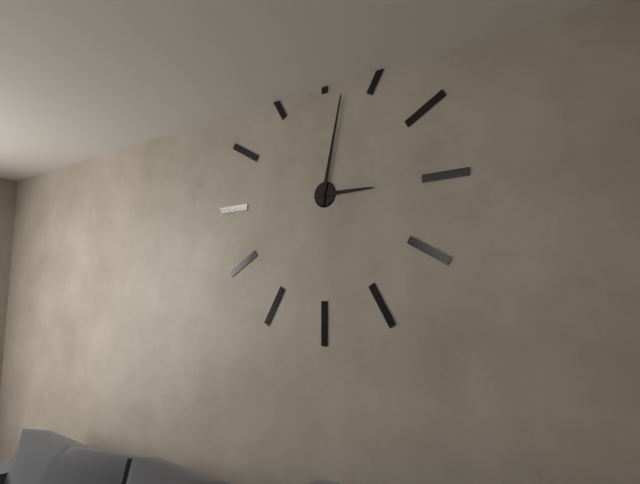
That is **3:02**
